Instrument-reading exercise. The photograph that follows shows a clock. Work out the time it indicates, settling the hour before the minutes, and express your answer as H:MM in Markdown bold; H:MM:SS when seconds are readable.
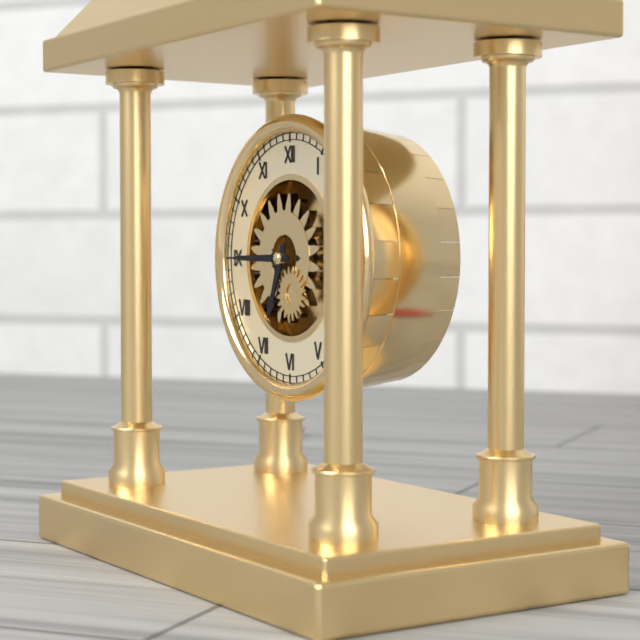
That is **6:45**
